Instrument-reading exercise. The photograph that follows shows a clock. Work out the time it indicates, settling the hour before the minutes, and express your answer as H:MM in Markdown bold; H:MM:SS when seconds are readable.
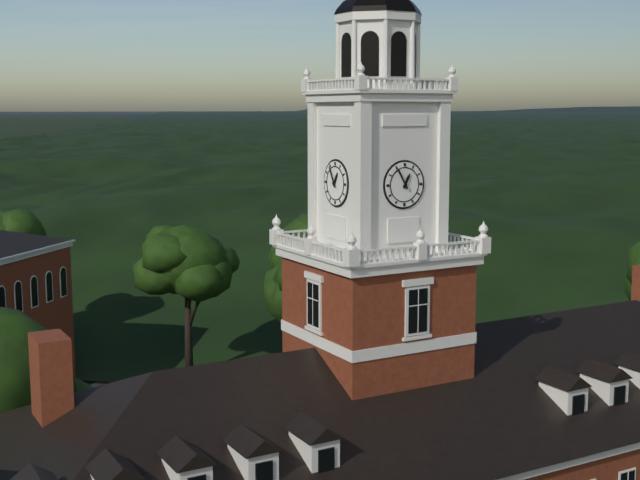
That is **12:55**
